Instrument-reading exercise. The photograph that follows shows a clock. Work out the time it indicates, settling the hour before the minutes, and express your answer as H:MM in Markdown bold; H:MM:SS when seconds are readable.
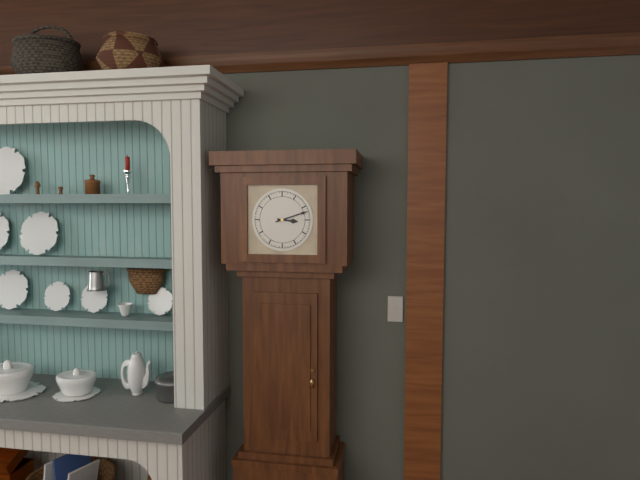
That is **3:12**
